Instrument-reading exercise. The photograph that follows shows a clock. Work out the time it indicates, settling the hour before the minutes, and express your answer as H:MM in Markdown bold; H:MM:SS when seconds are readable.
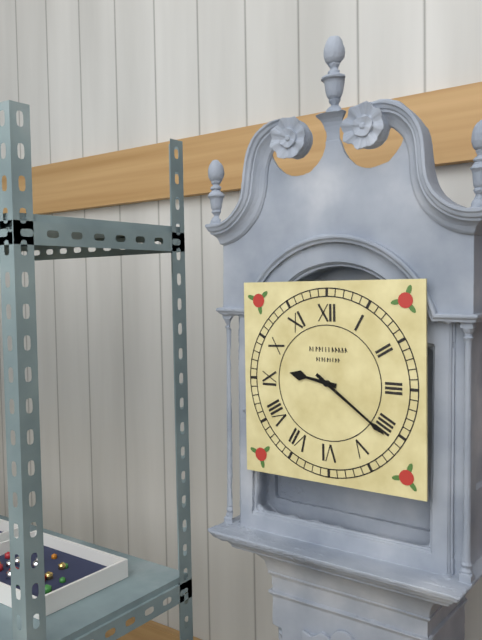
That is **9:21**
